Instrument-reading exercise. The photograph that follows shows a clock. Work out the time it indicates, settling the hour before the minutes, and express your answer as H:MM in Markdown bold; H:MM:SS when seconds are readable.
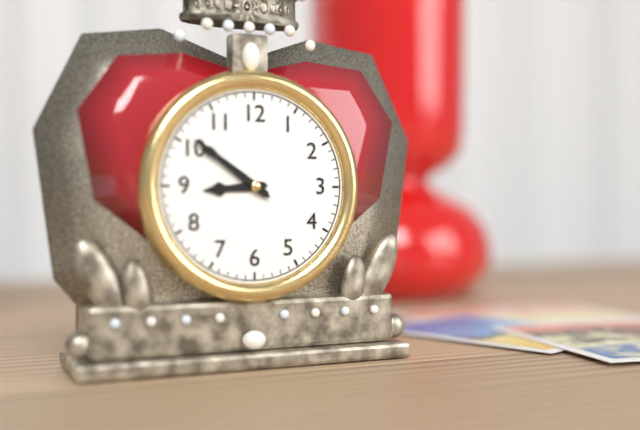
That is **8:51**
